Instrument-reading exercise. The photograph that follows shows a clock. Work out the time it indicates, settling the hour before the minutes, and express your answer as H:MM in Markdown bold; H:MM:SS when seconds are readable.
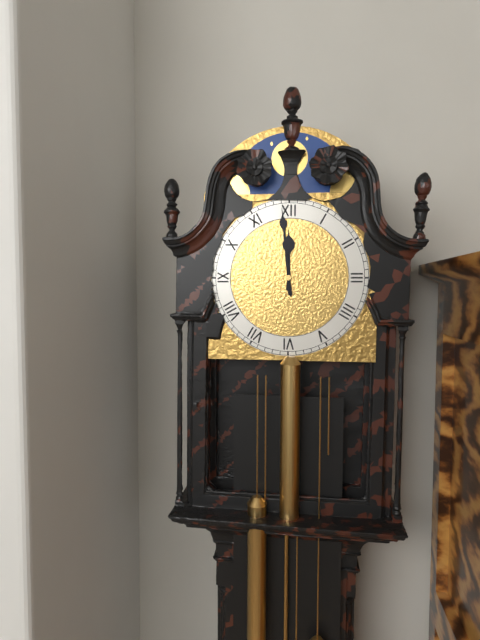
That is **11:59**
